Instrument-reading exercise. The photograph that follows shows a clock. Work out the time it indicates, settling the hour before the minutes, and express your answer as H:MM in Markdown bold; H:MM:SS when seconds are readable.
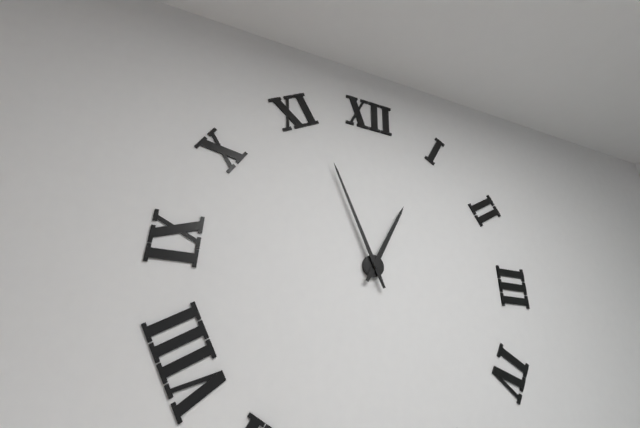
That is **12:56**
